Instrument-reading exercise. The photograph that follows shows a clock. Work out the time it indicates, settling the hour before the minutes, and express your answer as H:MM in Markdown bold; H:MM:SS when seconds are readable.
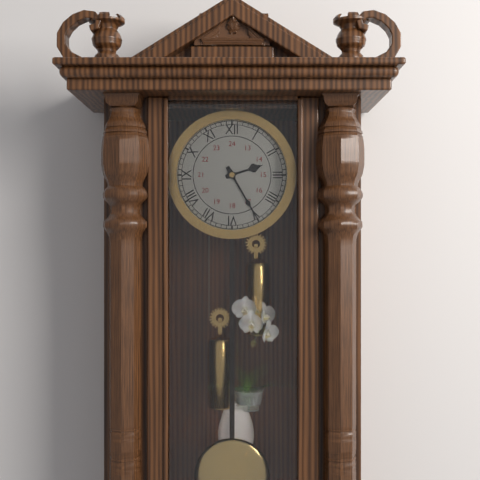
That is **2:25**
